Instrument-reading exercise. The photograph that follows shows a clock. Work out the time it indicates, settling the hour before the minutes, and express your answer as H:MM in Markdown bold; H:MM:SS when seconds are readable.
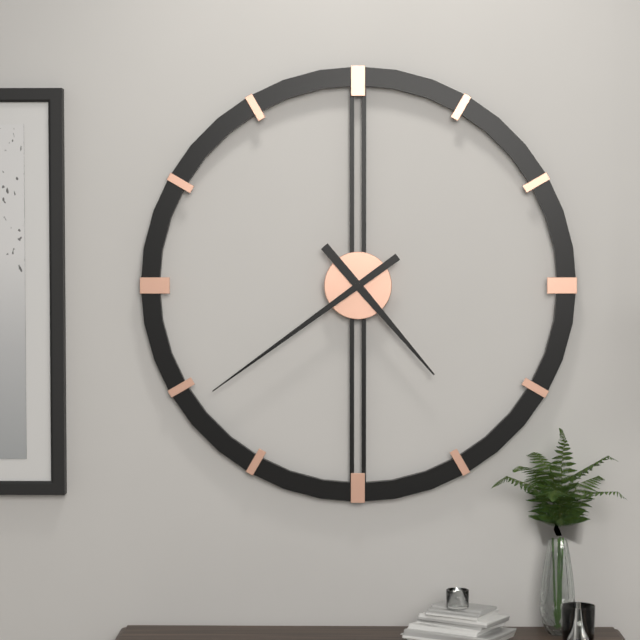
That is **4:39**
